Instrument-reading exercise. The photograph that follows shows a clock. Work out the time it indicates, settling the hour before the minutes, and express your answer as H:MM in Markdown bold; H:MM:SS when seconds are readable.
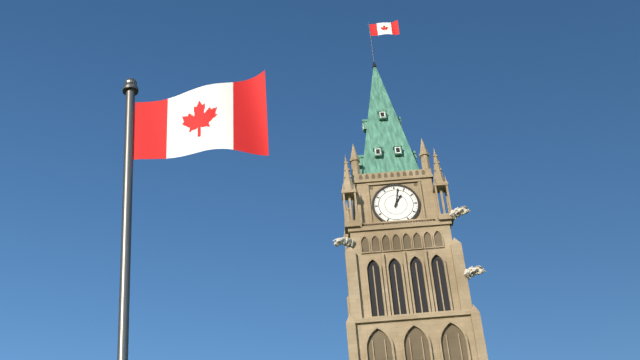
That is **1:02**
